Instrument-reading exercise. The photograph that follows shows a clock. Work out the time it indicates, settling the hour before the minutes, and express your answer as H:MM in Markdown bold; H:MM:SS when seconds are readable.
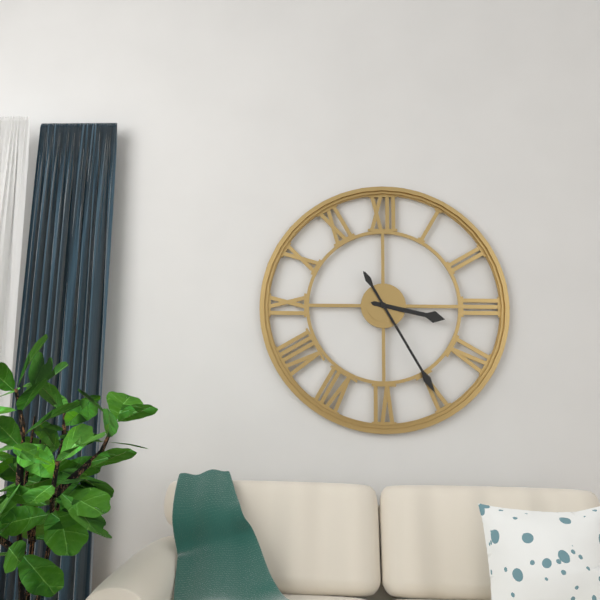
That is **3:25**
